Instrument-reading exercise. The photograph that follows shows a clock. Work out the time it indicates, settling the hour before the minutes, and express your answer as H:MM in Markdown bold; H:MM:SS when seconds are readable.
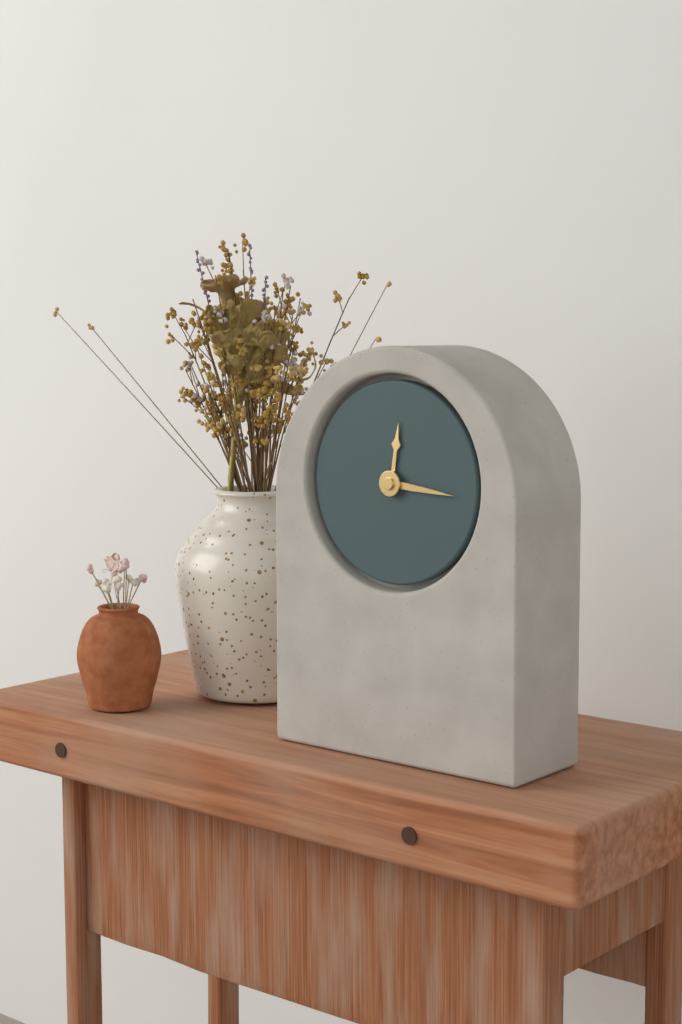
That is **12:16**
